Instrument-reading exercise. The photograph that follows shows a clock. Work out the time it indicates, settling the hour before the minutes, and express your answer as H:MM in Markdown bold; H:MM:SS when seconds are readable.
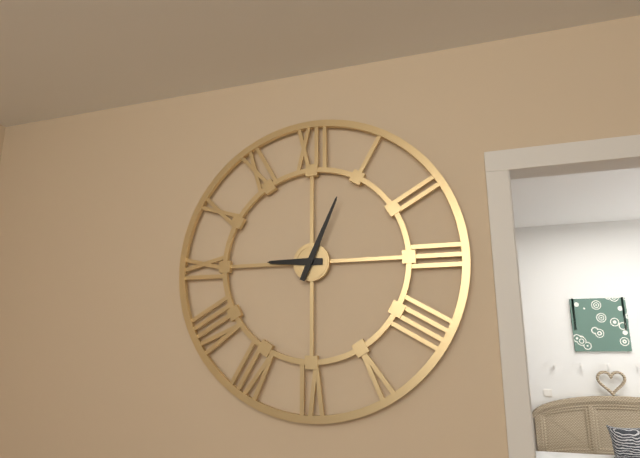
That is **9:04**
